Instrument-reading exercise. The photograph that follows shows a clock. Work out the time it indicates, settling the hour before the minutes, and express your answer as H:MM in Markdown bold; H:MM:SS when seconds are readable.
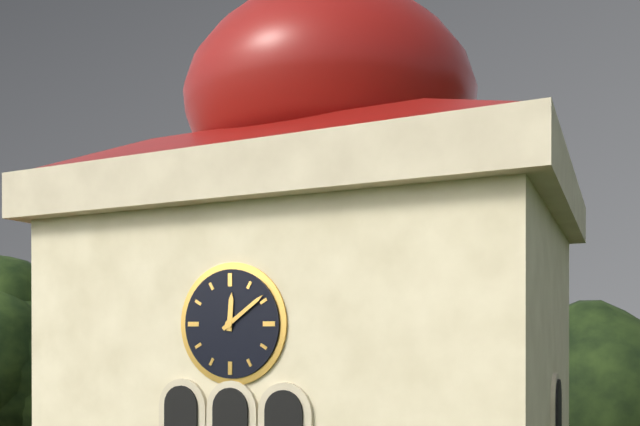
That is **12:09**
